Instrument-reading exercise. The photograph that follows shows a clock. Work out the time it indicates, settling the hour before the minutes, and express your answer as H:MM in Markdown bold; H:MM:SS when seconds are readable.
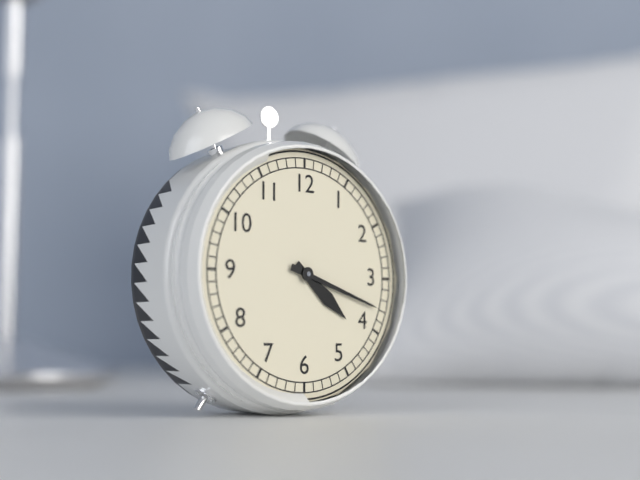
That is **4:18**
